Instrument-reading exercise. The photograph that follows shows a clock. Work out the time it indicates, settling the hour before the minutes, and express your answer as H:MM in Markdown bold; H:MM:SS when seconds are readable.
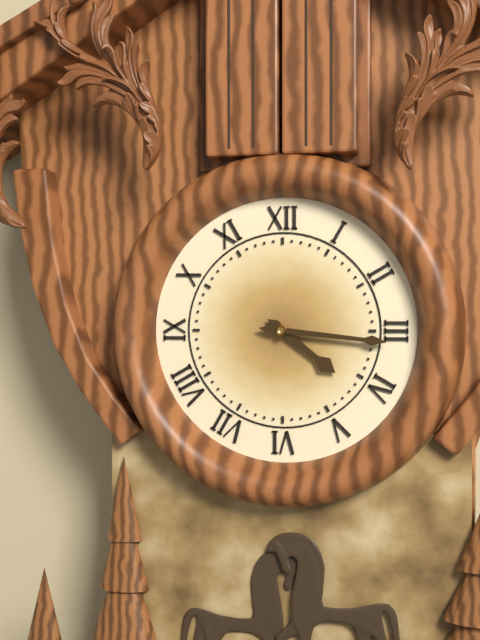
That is **4:16**
